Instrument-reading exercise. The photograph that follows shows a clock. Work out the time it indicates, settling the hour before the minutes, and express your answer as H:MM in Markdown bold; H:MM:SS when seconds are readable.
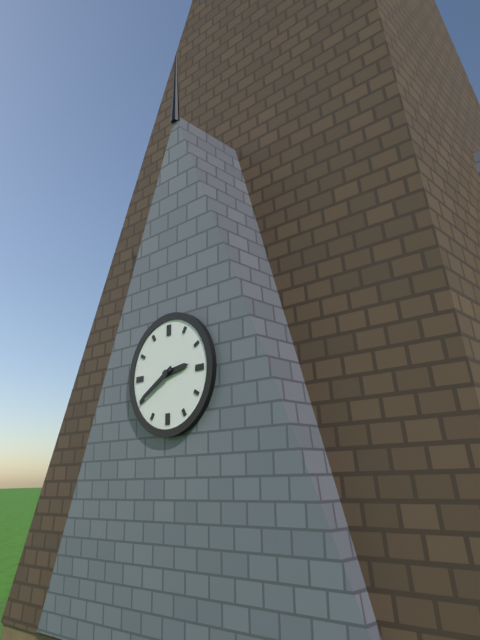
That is **2:40**
